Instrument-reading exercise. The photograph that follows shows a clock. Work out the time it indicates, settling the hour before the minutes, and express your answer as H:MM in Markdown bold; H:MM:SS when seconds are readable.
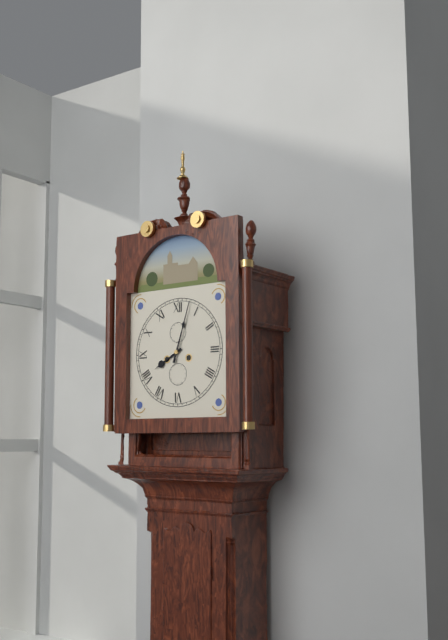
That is **8:03**
